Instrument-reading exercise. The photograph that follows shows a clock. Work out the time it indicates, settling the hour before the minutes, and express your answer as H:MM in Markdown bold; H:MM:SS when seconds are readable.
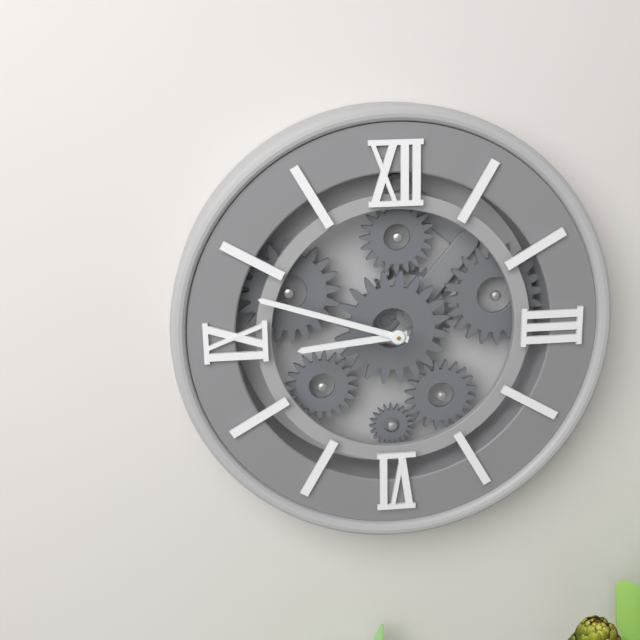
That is **8:48**
